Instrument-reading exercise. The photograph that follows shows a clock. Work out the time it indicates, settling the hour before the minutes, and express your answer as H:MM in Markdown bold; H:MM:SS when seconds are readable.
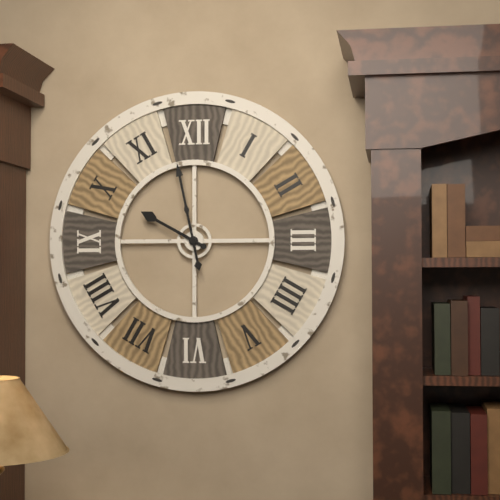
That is **9:58**
